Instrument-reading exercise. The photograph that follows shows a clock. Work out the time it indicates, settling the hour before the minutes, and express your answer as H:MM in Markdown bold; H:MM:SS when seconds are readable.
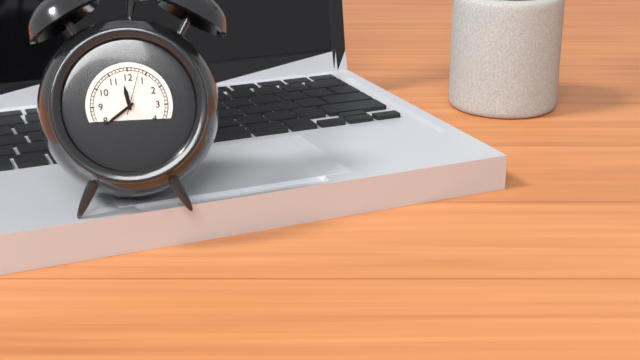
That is **11:39**
